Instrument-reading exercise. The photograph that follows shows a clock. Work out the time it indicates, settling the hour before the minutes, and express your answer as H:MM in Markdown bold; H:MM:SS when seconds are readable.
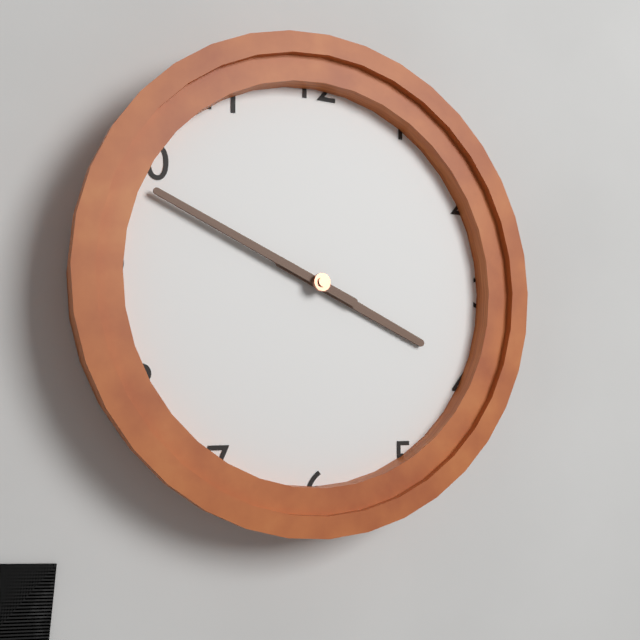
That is **3:49**
